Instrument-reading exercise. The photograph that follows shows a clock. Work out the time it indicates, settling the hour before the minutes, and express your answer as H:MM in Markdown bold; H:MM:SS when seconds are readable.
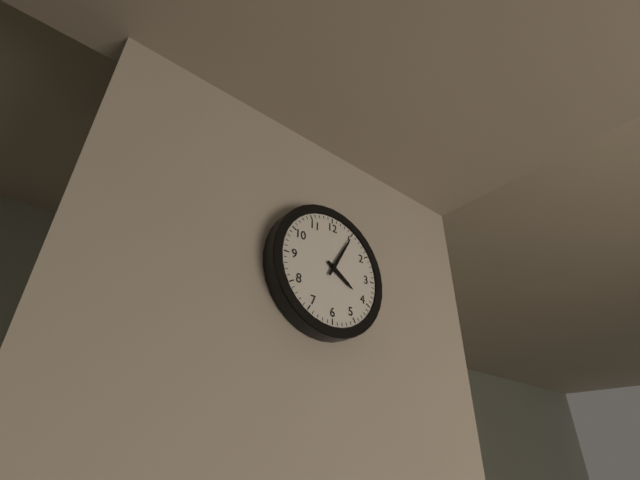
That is **4:05**
